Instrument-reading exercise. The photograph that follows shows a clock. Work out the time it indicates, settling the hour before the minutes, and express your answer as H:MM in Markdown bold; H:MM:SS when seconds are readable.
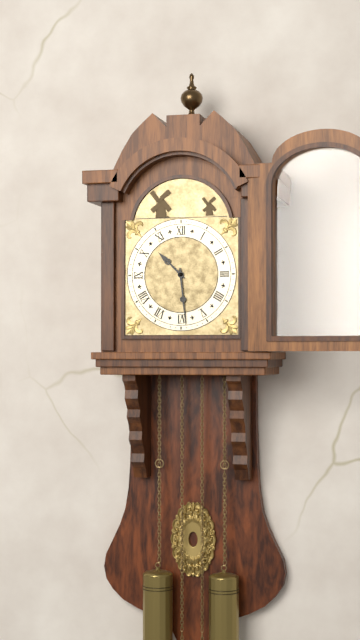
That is **10:29**
